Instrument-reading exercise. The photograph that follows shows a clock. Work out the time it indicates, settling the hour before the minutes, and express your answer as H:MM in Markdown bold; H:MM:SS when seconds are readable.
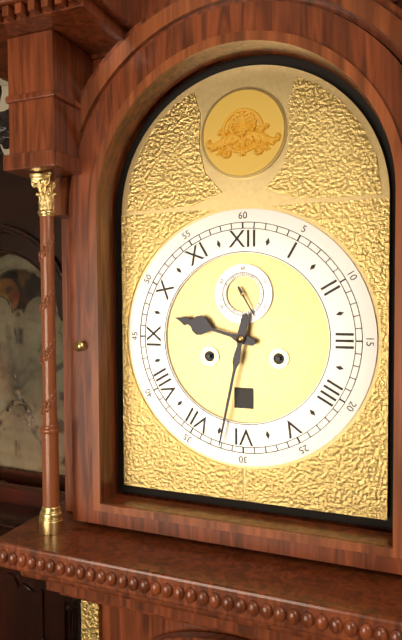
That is **9:32**
